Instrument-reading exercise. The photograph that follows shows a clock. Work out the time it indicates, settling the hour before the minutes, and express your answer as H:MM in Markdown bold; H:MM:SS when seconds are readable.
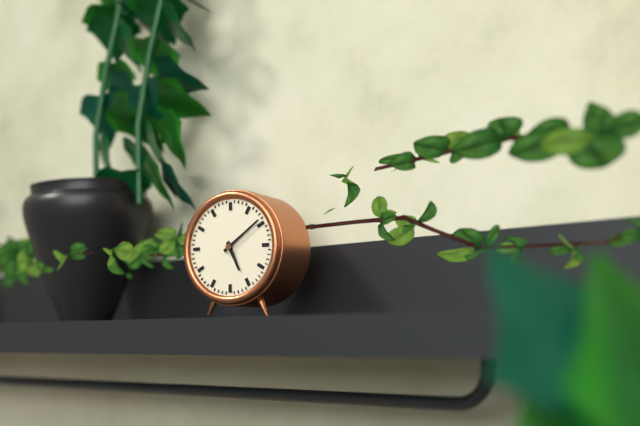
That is **5:09**
